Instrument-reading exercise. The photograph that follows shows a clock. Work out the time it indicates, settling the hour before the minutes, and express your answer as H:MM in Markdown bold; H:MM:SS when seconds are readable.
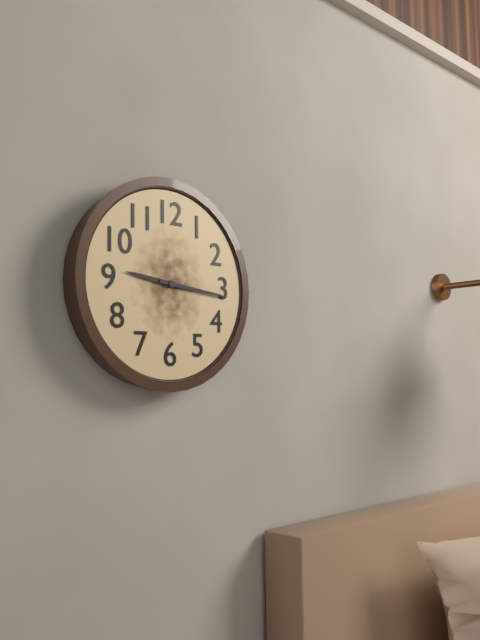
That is **9:16**
